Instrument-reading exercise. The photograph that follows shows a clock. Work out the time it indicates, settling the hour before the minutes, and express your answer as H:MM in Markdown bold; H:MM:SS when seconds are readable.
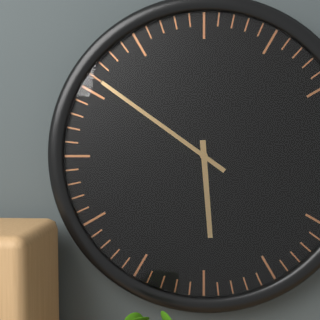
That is **5:51**
